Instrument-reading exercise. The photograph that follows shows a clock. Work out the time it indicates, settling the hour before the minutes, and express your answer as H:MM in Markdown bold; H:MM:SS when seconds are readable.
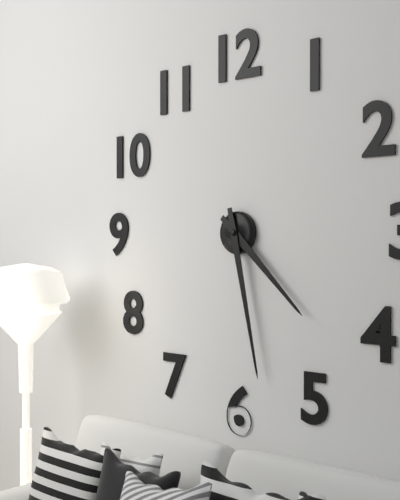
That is **4:28**
